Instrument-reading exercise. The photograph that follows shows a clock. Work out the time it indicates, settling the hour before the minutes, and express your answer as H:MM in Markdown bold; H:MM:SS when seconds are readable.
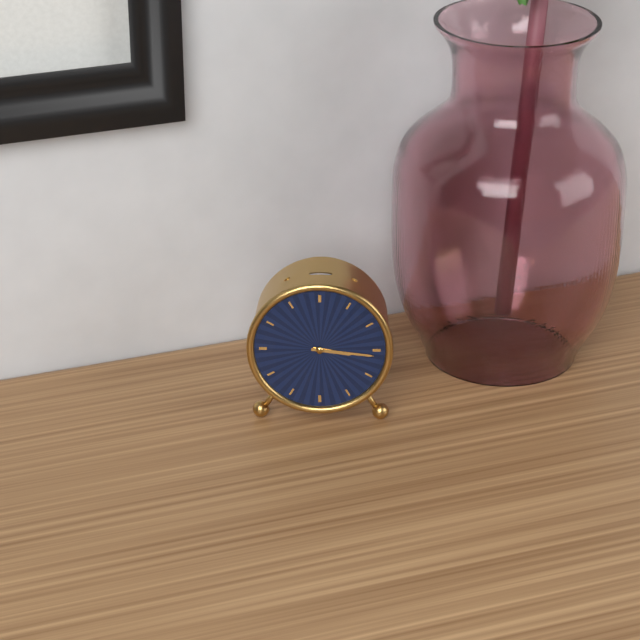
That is **3:16**
